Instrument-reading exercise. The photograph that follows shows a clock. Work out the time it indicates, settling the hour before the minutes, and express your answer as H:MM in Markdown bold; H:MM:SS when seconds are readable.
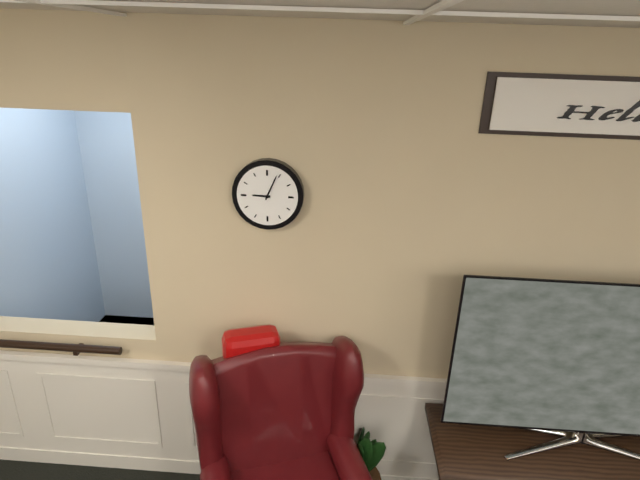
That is **9:04**
